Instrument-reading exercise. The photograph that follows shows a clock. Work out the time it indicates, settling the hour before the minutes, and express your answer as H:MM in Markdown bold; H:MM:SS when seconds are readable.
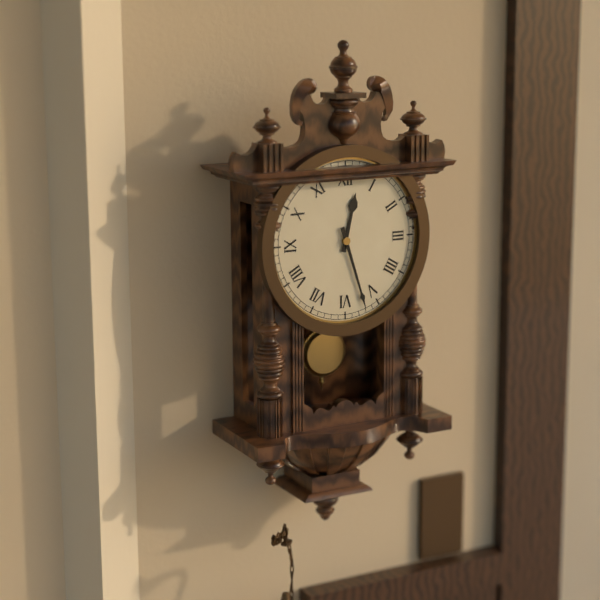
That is **12:27**
